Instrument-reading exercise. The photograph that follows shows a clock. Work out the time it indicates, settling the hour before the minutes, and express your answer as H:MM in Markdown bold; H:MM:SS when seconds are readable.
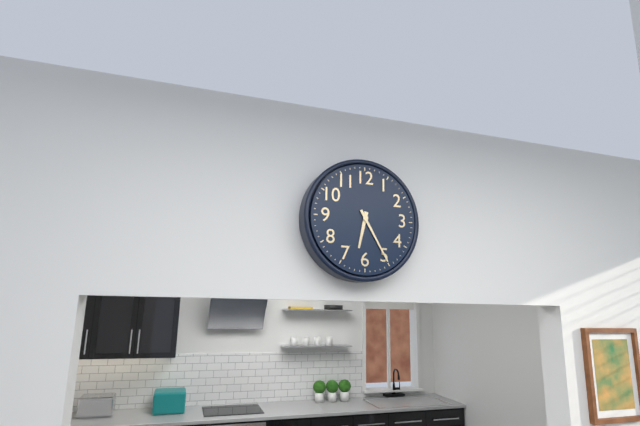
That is **6:25**
